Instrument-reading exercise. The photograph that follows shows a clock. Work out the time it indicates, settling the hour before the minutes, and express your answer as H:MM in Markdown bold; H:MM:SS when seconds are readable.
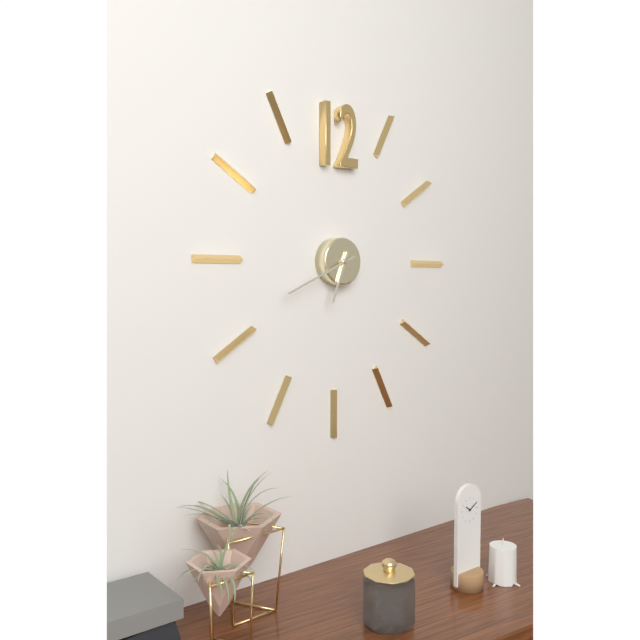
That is **6:41**
